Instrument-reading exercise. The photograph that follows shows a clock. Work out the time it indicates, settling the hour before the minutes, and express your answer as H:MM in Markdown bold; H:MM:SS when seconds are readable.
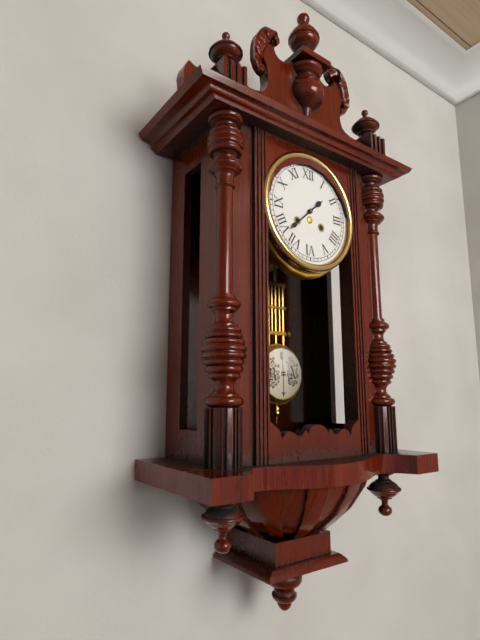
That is **1:38**
